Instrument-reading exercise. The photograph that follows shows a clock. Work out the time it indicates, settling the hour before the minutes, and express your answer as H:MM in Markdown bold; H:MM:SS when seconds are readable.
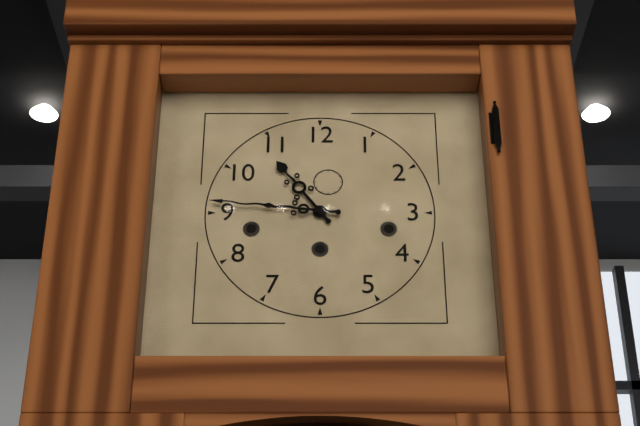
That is **10:46**
